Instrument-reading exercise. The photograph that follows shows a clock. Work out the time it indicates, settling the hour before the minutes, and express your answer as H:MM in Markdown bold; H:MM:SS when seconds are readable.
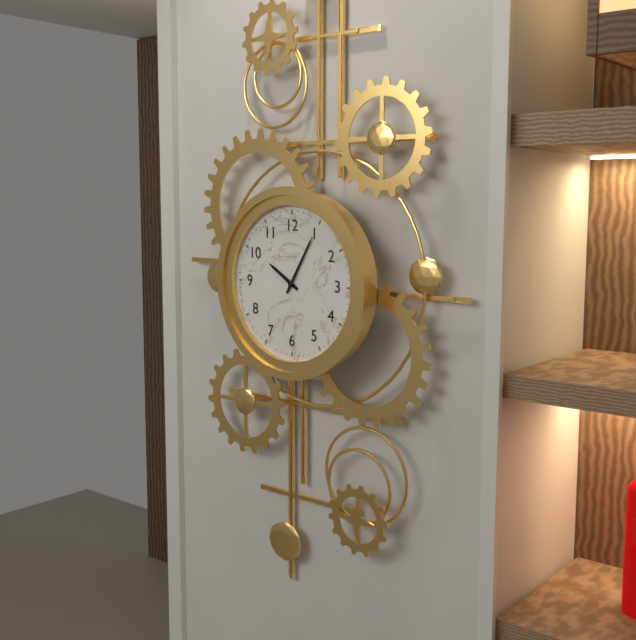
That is **10:05**
